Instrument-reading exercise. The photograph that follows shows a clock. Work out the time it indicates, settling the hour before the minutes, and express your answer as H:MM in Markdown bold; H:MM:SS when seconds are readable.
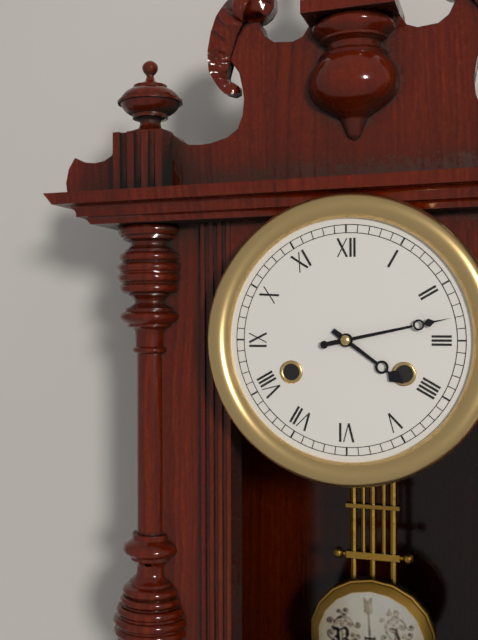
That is **4:13**
